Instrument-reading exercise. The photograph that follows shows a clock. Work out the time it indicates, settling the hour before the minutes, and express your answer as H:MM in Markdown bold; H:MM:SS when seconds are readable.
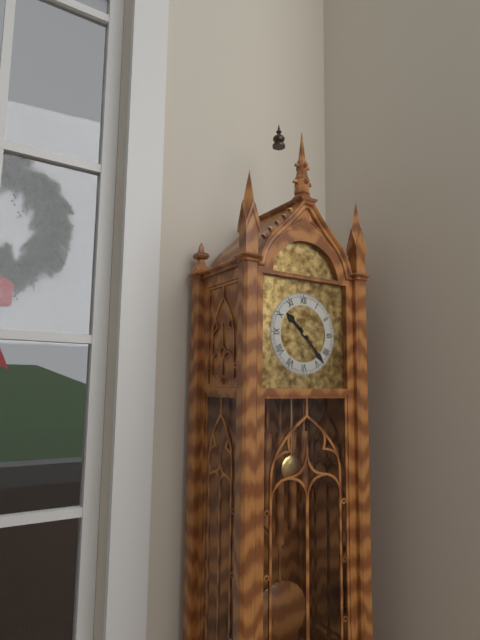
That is **10:23**
